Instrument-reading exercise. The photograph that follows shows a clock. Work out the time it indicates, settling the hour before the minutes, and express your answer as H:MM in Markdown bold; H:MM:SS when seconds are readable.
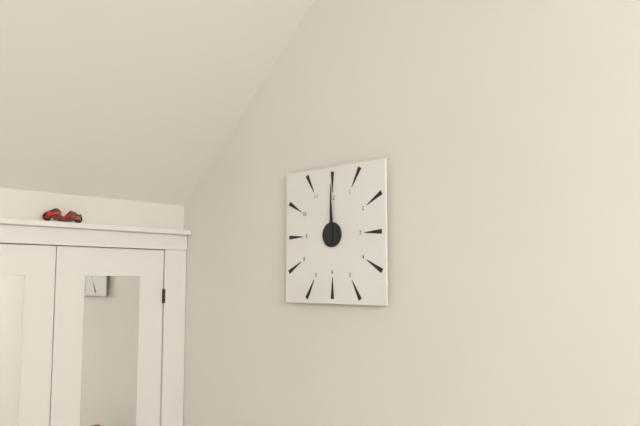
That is **12:00**
